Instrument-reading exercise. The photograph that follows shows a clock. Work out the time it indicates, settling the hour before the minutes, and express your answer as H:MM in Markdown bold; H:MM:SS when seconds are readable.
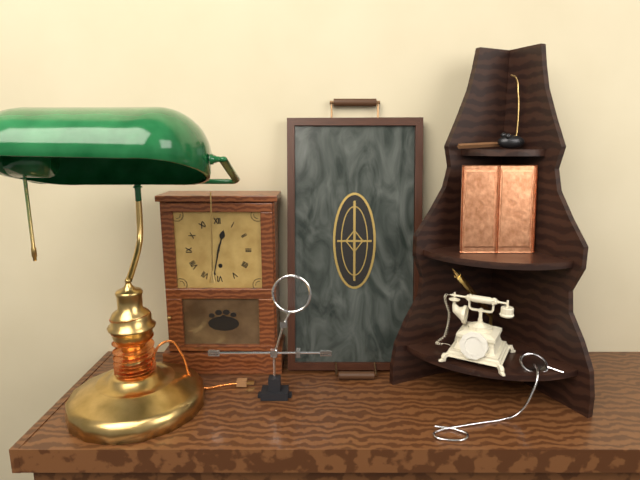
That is **12:32**
